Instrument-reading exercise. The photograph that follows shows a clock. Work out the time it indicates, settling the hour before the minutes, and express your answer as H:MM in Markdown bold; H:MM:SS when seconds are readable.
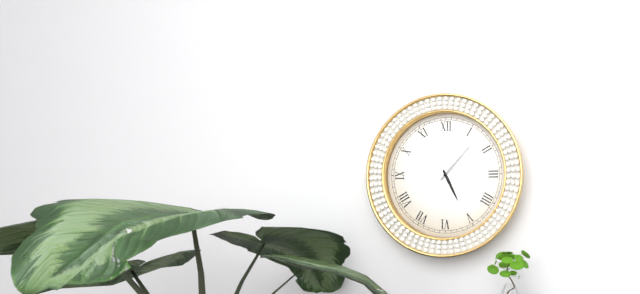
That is **5:07**
